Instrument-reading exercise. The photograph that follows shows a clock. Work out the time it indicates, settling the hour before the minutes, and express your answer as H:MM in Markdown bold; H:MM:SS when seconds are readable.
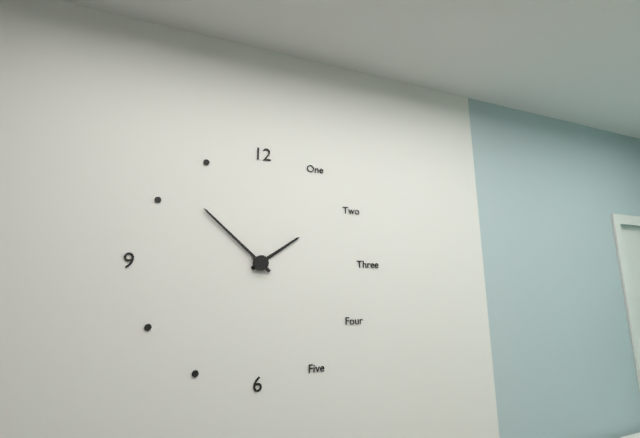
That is **1:52**
